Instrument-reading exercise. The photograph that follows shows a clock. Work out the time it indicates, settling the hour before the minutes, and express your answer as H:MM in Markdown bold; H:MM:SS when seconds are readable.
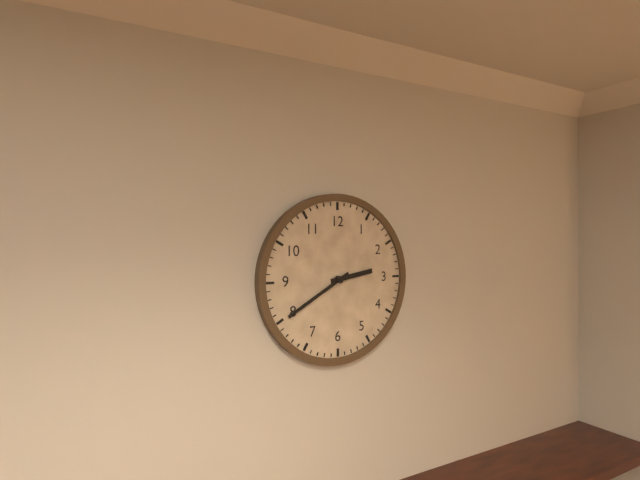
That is **2:40**
